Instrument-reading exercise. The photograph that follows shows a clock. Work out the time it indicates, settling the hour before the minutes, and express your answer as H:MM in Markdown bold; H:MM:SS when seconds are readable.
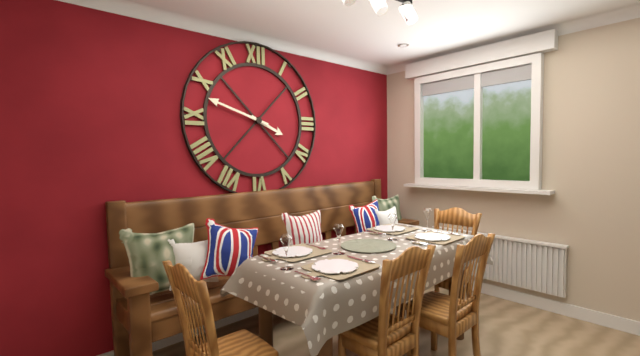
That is **3:48**
